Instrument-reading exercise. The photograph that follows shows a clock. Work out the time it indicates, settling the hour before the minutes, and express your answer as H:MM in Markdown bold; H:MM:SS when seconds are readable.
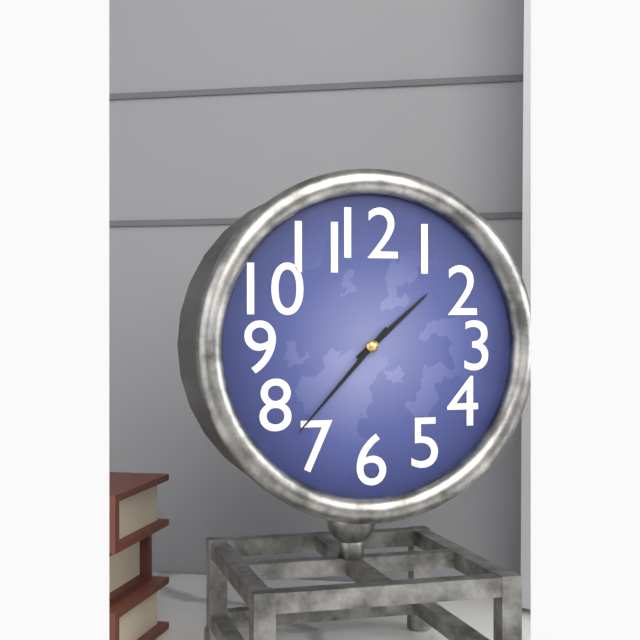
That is **1:37**
